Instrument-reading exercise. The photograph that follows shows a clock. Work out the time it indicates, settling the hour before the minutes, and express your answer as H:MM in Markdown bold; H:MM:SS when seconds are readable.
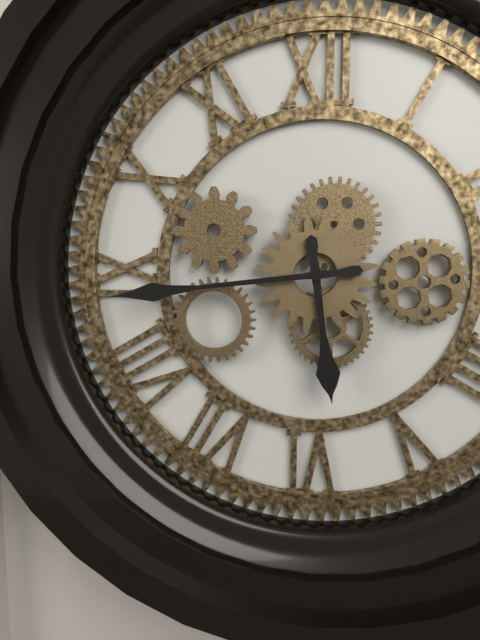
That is **5:44**
